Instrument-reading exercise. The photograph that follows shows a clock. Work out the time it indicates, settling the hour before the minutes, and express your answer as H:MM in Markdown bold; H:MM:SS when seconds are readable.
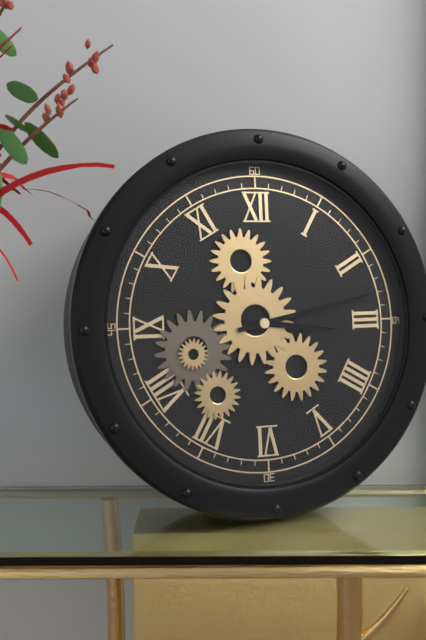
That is **3:13**
